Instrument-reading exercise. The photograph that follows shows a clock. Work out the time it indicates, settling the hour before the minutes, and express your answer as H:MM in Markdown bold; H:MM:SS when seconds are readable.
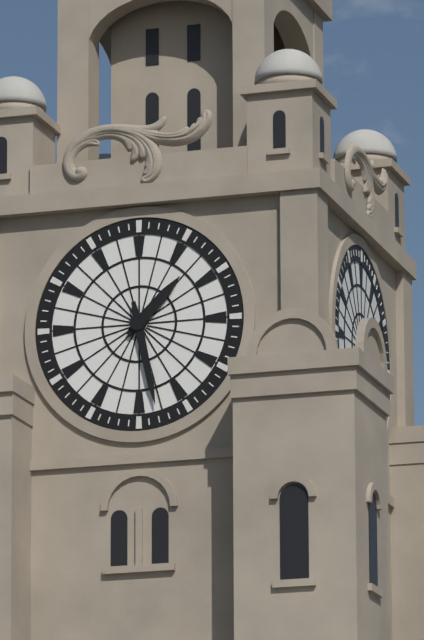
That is **1:28**
